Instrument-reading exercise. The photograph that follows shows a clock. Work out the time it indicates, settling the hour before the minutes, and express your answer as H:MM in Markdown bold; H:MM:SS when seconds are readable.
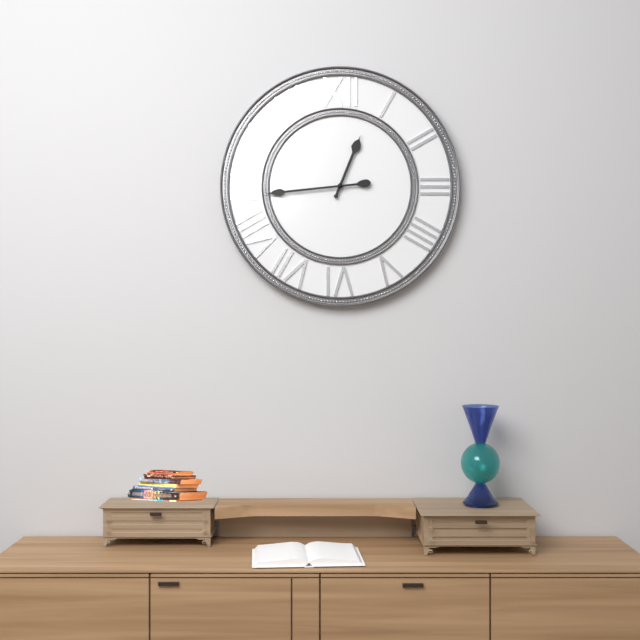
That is **12:44**
